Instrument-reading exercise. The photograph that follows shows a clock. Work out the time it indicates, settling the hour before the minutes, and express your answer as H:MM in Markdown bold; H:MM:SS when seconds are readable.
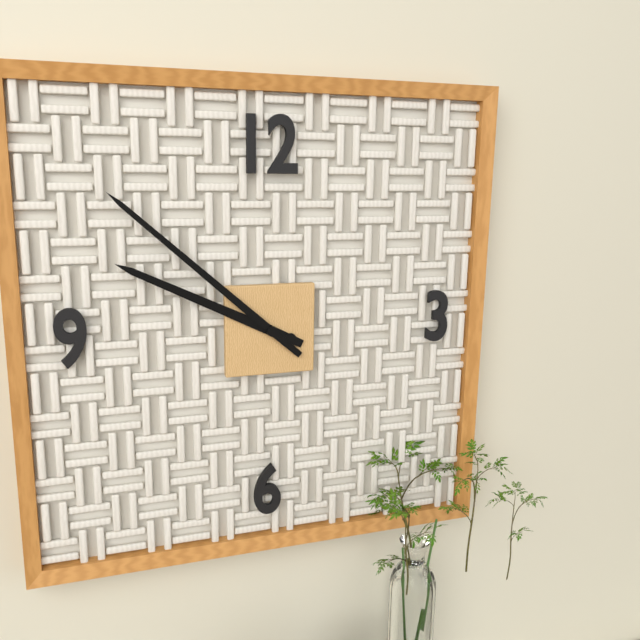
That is **9:52**
